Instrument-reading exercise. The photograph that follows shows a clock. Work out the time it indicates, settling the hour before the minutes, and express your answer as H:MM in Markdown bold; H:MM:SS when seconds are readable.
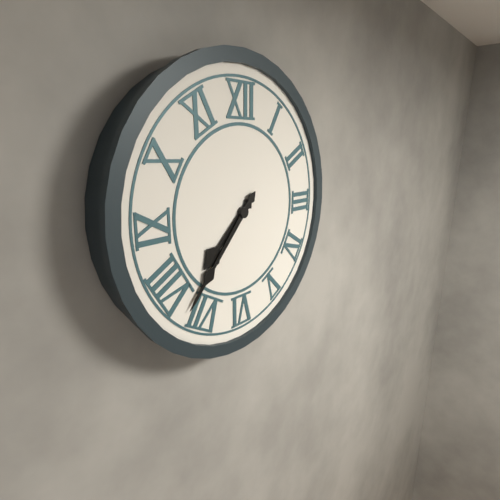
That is **7:37**
